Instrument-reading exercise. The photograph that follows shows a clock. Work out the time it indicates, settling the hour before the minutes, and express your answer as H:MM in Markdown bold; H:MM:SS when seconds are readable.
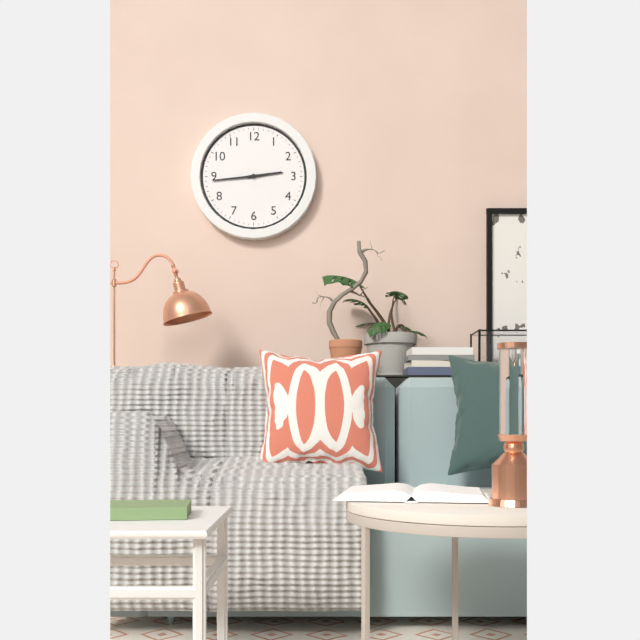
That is **2:44**
